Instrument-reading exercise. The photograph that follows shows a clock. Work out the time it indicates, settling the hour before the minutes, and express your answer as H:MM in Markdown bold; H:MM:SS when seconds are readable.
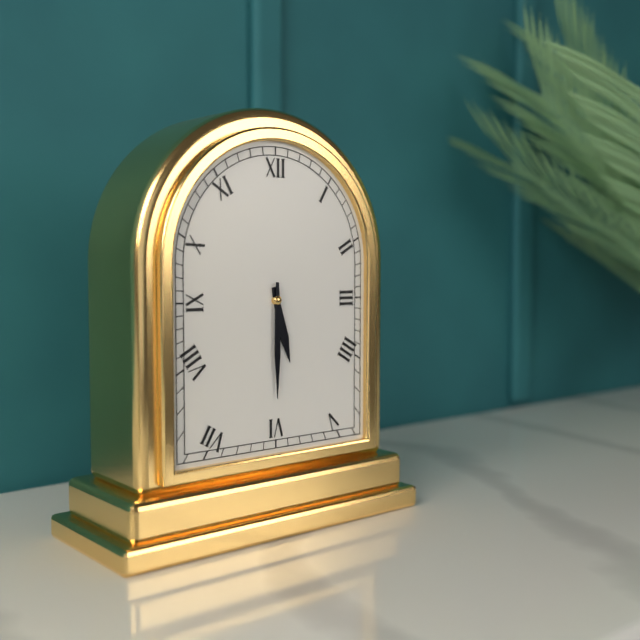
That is **5:30**
